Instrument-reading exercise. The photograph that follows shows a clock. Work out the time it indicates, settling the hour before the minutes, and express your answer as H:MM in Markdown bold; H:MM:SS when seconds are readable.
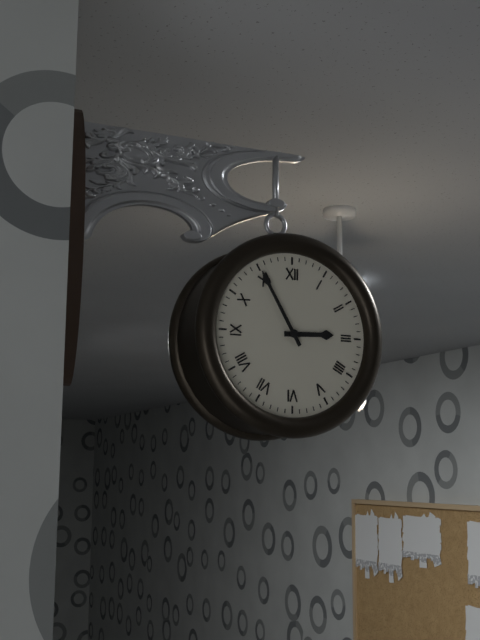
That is **2:55**
